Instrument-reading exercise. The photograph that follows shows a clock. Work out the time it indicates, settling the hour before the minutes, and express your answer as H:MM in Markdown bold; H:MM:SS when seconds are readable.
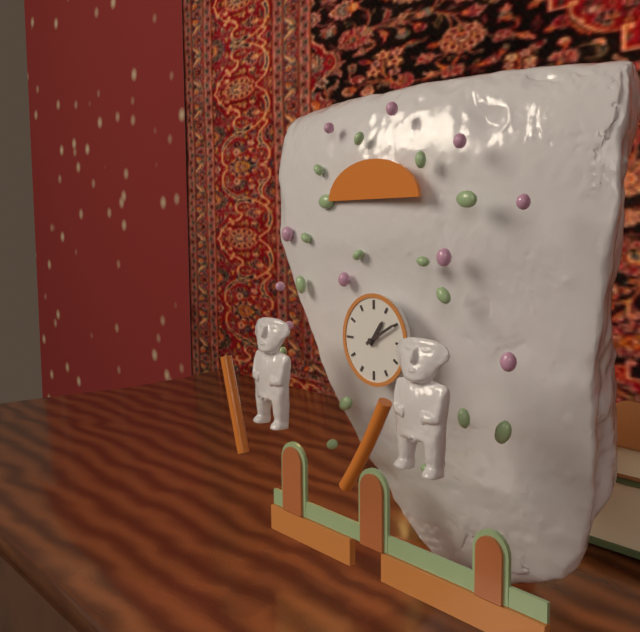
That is **1:10**
